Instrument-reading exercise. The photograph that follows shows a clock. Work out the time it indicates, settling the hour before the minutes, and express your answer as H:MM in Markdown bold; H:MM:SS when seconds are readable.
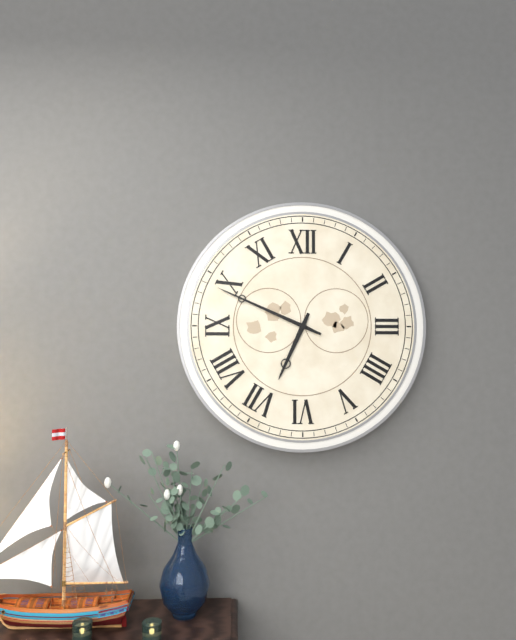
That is **6:49**
